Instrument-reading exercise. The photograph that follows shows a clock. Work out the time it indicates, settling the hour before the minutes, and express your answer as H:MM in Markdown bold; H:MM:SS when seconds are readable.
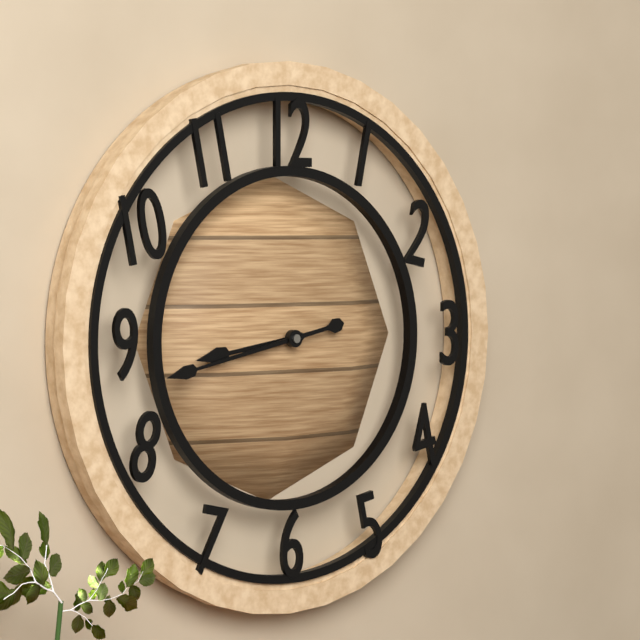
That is **8:43**
